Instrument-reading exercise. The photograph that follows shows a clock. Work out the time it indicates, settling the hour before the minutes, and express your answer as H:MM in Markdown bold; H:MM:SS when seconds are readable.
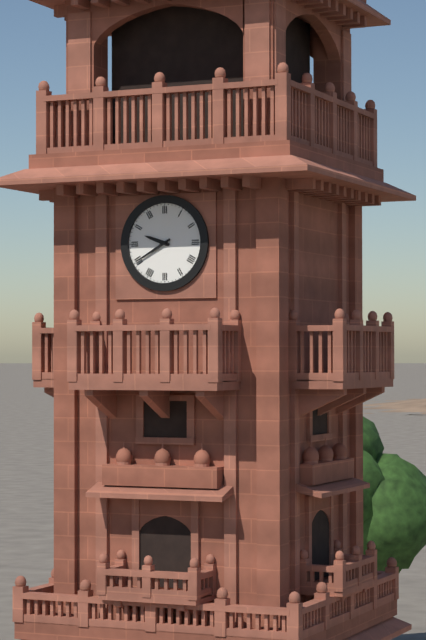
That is **9:40**
